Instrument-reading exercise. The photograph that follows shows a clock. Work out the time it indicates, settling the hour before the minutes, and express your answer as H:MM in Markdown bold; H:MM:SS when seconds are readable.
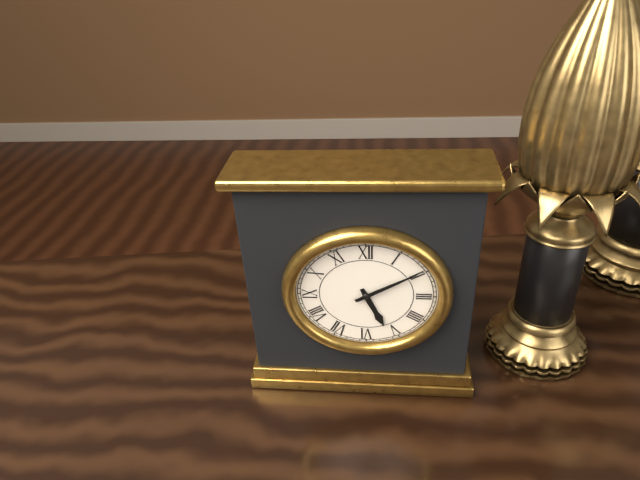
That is **5:10**
